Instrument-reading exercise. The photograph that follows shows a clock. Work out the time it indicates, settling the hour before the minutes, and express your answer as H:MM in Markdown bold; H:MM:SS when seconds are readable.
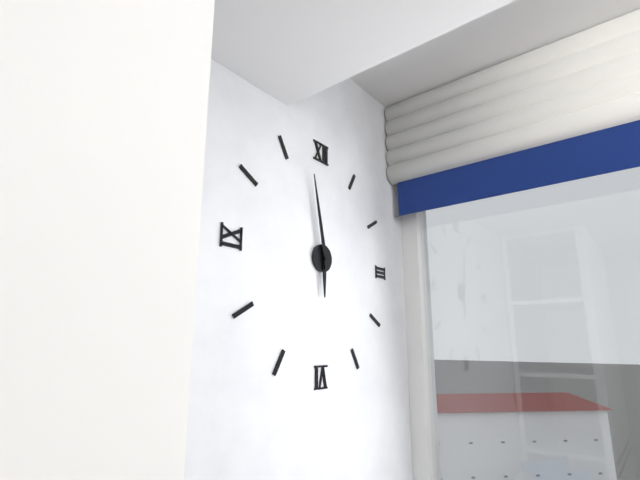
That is **5:58**
